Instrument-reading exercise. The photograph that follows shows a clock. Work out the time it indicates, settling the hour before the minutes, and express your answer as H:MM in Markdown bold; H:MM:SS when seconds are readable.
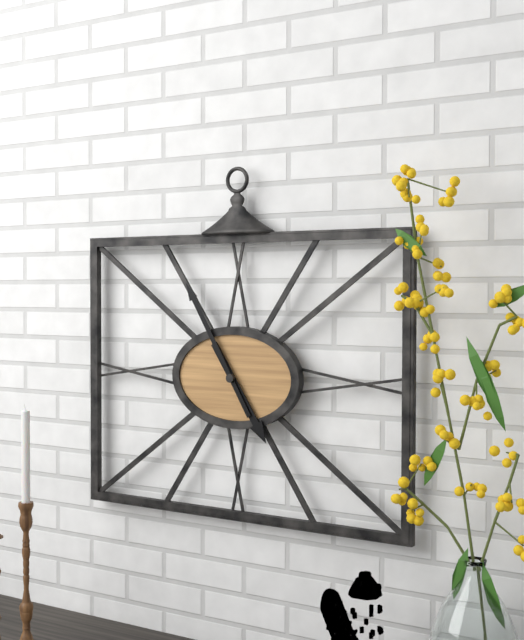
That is **4:55**
